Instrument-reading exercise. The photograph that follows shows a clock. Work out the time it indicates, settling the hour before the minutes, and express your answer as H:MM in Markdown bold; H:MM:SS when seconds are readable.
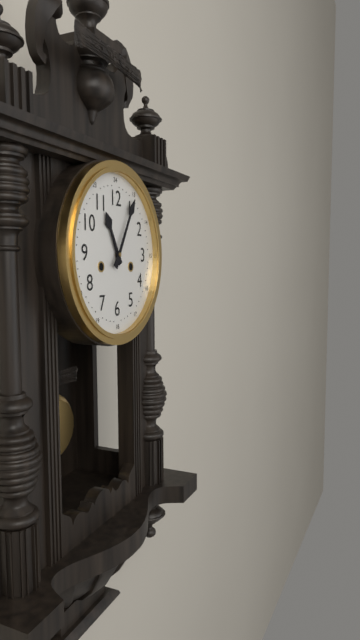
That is **11:05**
